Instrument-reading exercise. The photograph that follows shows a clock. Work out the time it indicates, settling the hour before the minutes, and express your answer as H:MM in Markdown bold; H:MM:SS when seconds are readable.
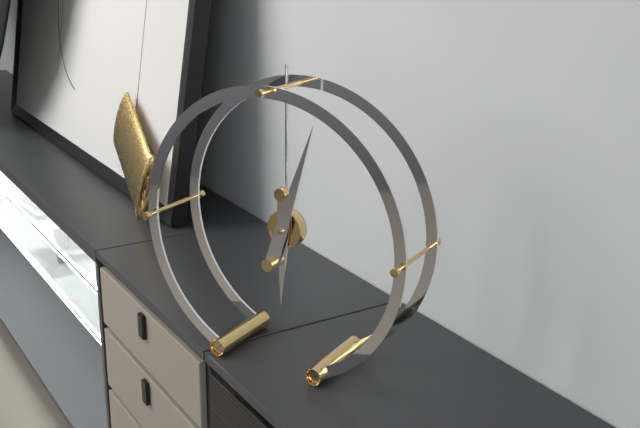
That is **6:03**
